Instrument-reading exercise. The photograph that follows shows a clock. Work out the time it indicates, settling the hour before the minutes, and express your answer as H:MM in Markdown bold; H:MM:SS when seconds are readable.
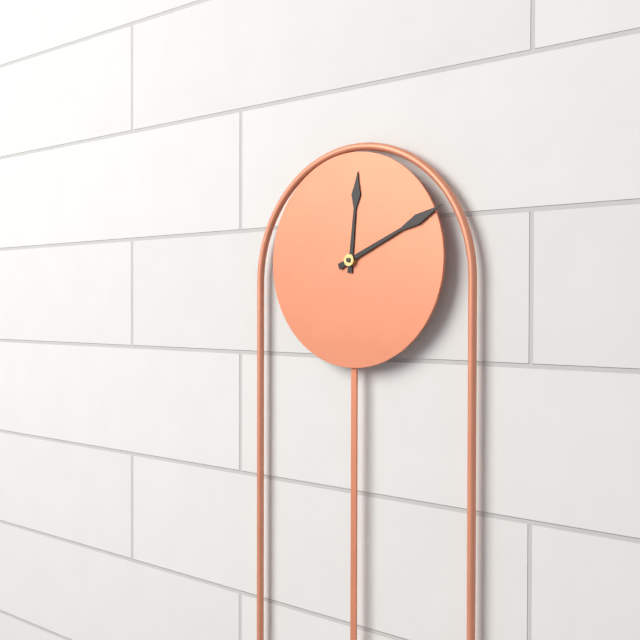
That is **12:11**
